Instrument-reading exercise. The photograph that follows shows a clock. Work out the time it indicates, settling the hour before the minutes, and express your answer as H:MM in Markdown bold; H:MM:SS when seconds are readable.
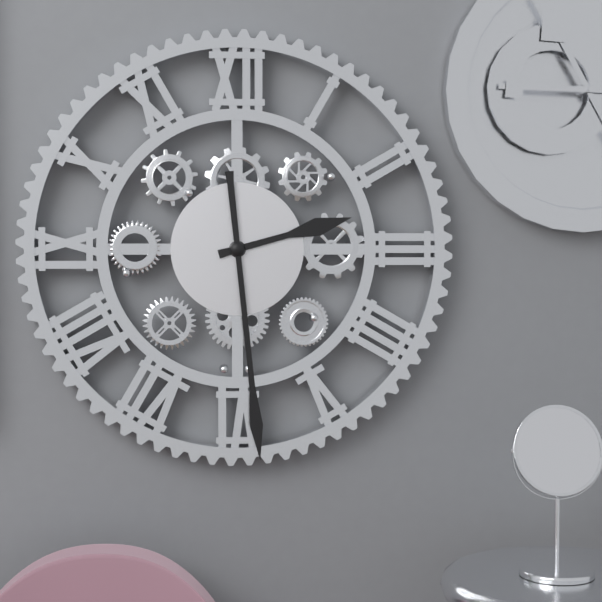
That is **2:29**
